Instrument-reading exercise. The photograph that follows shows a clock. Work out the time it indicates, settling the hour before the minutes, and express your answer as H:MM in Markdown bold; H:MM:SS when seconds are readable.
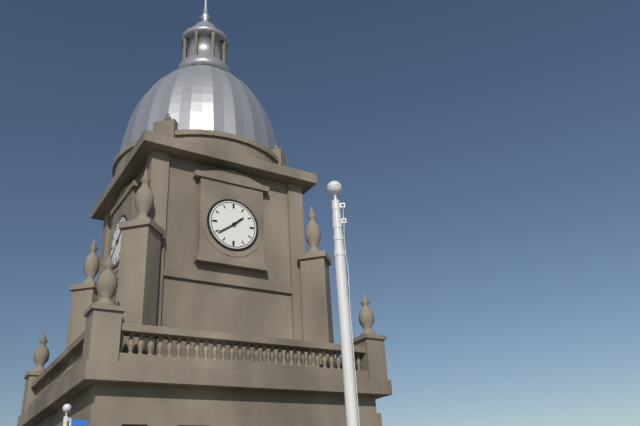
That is **1:39**
